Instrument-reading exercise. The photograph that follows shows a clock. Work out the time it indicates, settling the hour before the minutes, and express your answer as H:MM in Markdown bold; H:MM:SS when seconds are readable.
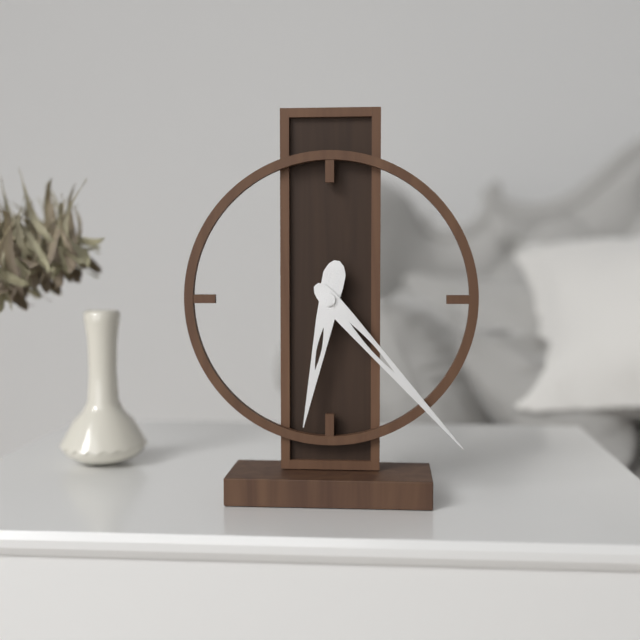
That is **6:23**
